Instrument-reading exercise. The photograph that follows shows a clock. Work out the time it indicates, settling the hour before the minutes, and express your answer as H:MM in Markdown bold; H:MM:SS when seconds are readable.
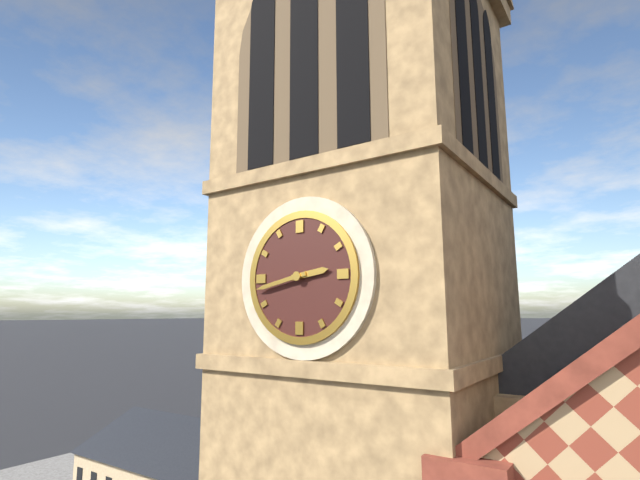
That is **2:43**
